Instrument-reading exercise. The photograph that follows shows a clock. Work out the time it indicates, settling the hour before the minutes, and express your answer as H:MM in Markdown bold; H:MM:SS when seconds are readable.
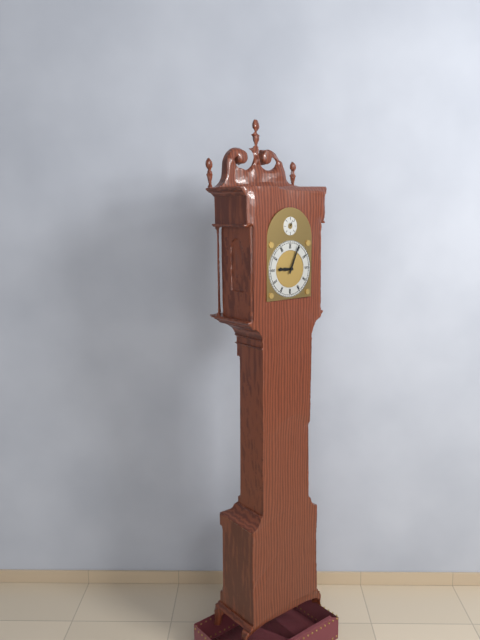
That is **9:04**
